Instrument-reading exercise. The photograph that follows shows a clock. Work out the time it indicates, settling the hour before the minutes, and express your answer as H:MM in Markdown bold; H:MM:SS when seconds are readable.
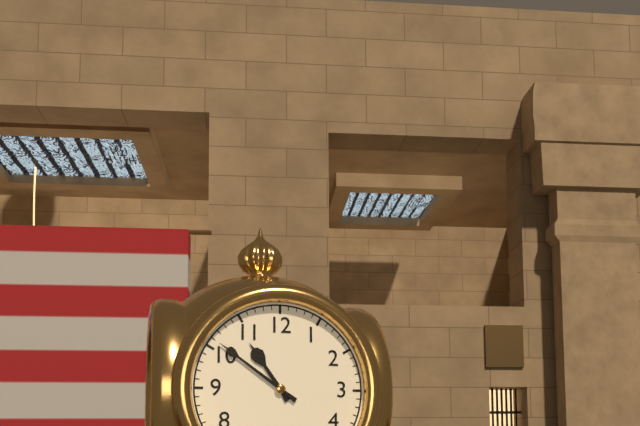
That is **10:51**
